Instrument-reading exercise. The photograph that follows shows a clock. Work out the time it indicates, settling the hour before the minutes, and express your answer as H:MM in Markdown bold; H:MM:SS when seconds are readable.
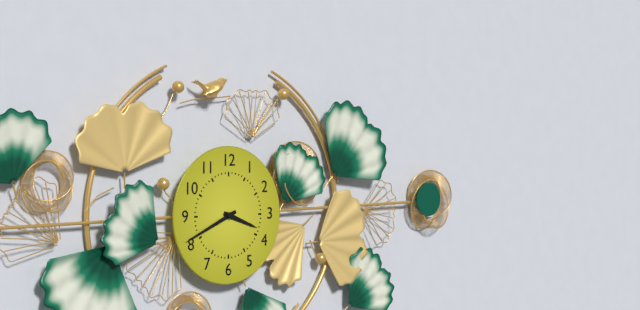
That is **3:41**
